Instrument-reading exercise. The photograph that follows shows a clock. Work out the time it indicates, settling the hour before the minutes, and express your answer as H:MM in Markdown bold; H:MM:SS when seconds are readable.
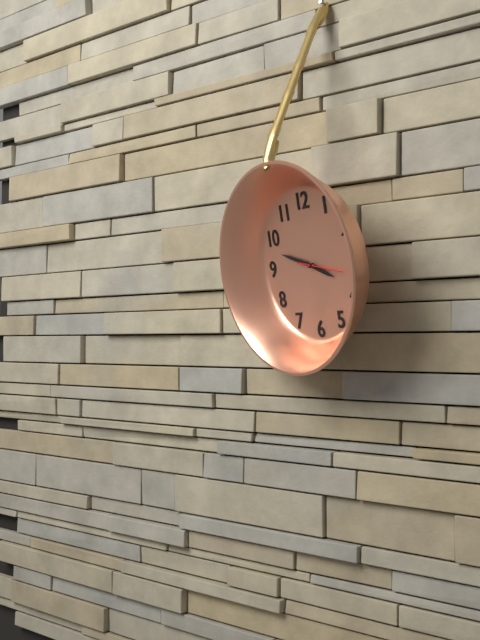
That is **3:48**
